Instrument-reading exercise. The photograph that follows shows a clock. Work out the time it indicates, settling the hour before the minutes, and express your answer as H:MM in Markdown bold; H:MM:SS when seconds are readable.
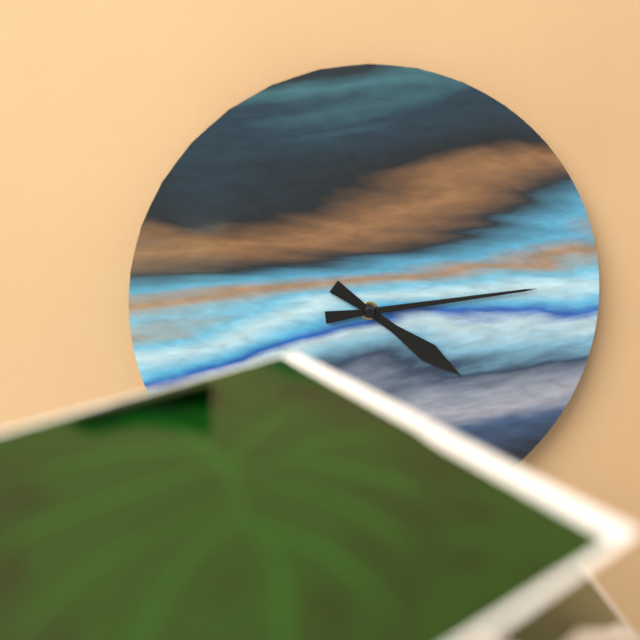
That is **4:14**
